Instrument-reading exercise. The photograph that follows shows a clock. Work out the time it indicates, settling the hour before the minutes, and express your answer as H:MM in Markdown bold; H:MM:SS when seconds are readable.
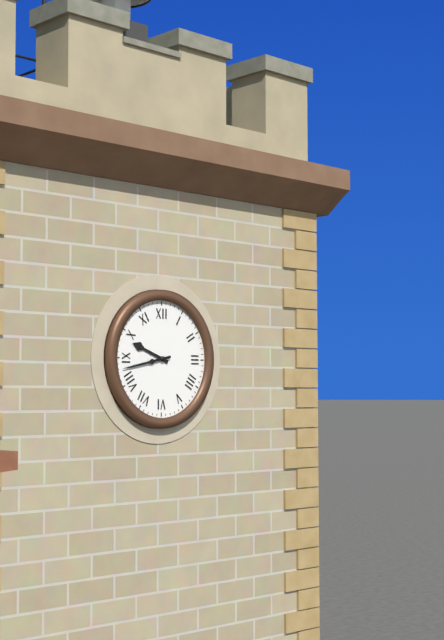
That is **9:43**
